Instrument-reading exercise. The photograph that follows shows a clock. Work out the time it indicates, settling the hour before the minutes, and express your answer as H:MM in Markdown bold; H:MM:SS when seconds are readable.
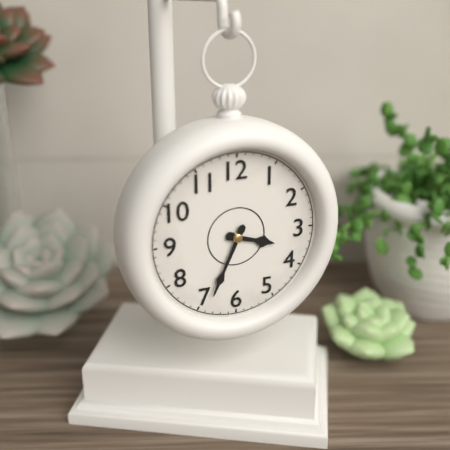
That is **3:34**
